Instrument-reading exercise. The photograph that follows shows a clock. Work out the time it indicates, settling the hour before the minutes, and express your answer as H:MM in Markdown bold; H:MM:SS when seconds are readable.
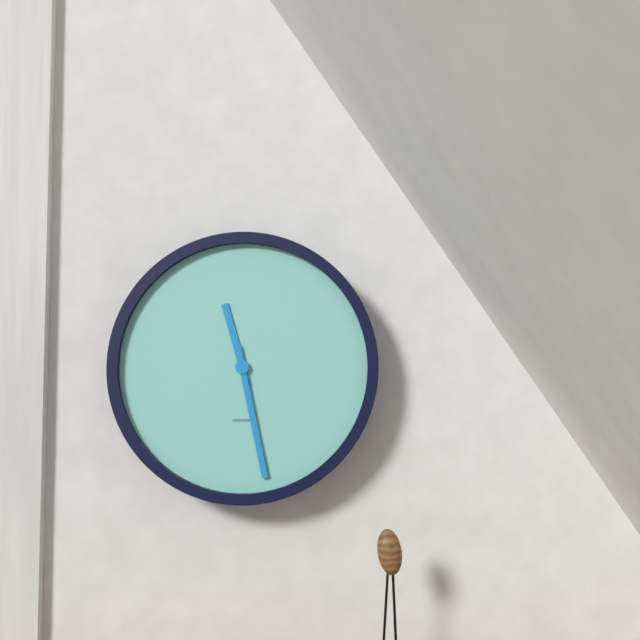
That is **11:28**
